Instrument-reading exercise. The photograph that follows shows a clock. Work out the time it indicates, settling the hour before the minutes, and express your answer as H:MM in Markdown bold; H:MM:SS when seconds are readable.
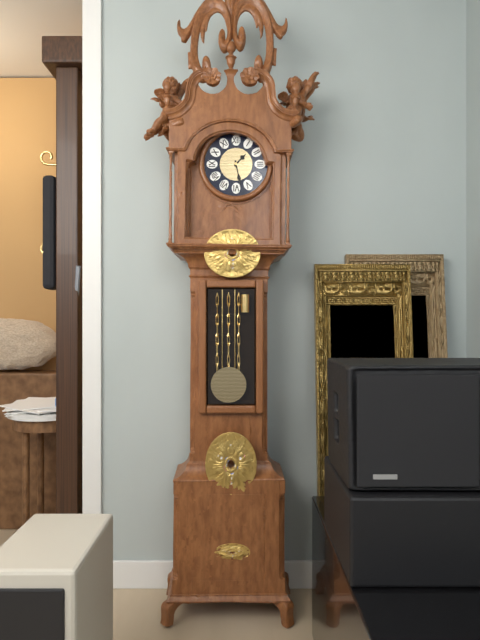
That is **1:28**
